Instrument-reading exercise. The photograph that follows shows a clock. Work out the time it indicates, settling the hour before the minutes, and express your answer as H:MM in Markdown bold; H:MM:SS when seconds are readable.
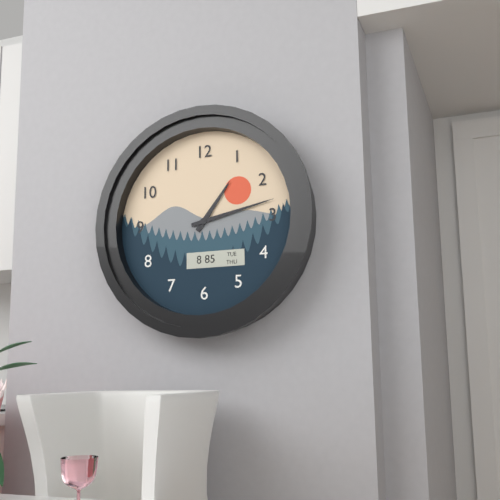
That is **1:13**
